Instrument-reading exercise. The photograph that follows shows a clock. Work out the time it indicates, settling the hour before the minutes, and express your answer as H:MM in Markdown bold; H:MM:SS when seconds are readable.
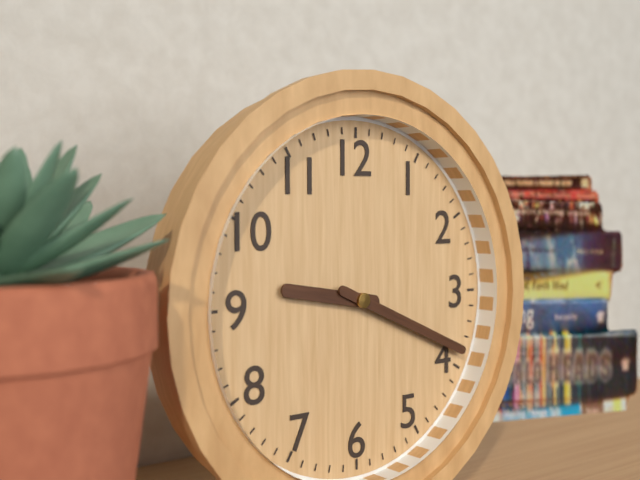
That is **9:19**
